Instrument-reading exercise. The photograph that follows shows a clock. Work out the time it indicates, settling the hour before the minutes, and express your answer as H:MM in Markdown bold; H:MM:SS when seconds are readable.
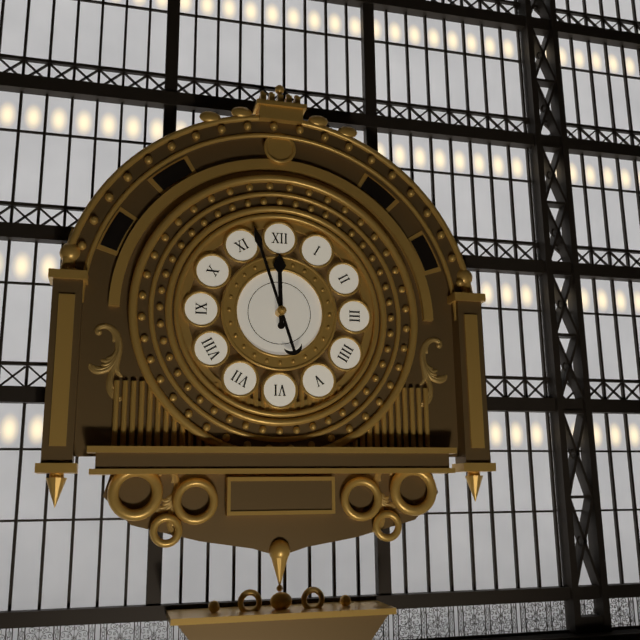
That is **11:57**
